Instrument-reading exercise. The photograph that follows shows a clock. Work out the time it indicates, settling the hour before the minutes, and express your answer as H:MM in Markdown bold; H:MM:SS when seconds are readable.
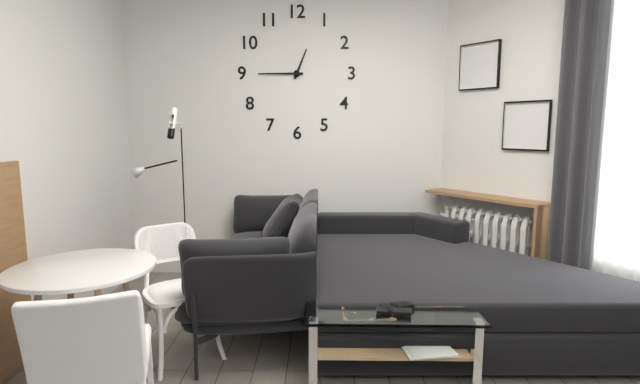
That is **12:45**
